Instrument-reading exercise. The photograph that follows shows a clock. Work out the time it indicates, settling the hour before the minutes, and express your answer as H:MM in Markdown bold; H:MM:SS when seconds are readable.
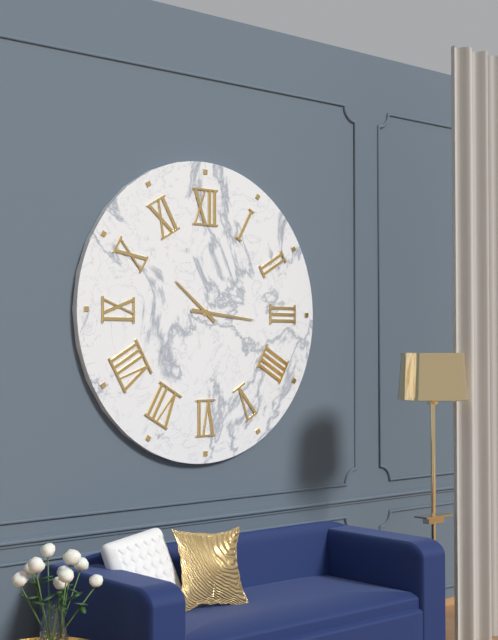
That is **10:16**
